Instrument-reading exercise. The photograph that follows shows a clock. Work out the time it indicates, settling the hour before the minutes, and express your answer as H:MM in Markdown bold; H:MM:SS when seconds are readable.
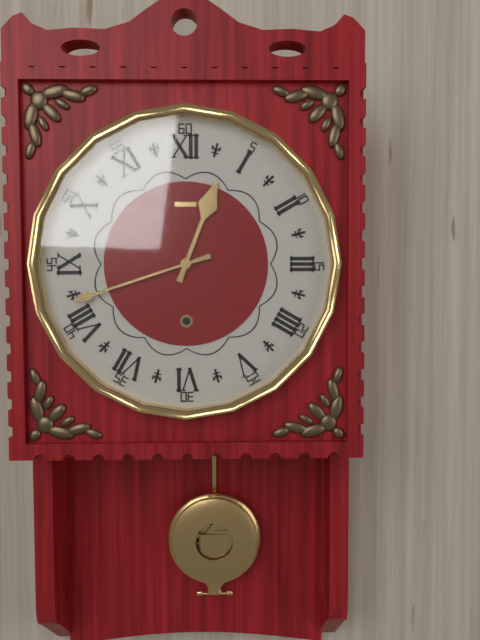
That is **12:42**
